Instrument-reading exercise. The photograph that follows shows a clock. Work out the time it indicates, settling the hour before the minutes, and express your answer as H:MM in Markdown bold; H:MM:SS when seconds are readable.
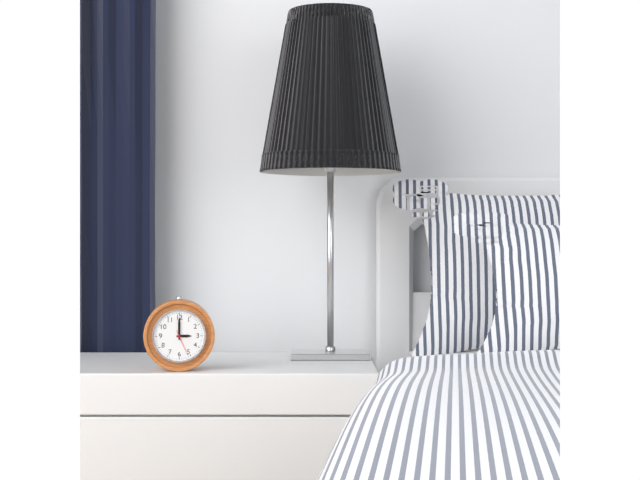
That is **3:00**
